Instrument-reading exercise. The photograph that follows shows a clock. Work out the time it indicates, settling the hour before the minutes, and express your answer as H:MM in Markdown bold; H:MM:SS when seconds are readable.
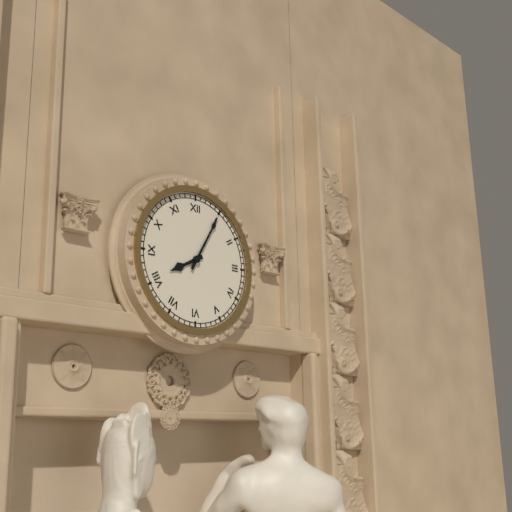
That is **8:05**
